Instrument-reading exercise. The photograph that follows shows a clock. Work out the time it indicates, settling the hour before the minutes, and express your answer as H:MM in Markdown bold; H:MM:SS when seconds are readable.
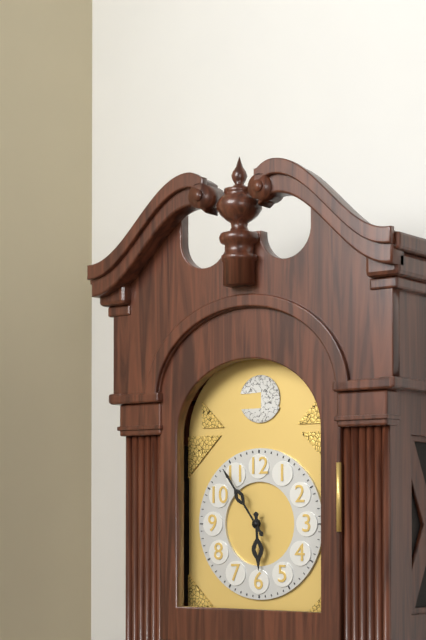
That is **5:54**
